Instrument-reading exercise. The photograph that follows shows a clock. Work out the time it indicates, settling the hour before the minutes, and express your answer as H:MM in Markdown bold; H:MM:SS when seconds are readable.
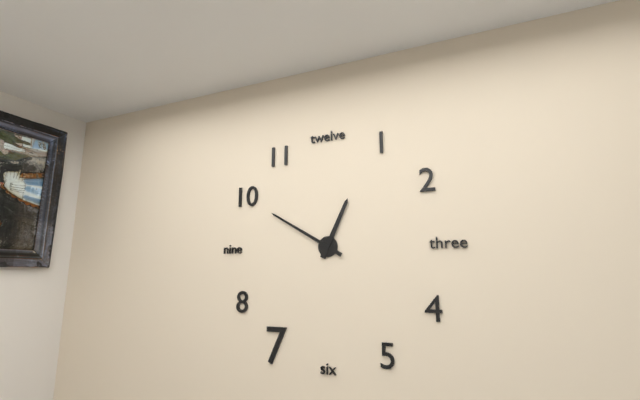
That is **12:50**
